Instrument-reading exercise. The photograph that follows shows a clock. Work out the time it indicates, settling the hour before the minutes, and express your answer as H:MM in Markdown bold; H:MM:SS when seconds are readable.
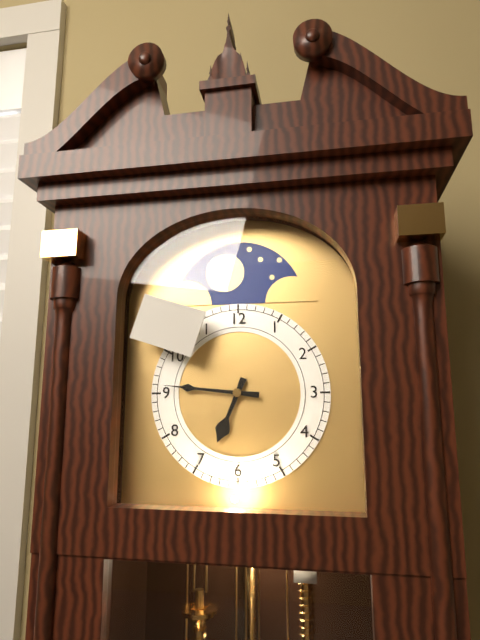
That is **6:46**
